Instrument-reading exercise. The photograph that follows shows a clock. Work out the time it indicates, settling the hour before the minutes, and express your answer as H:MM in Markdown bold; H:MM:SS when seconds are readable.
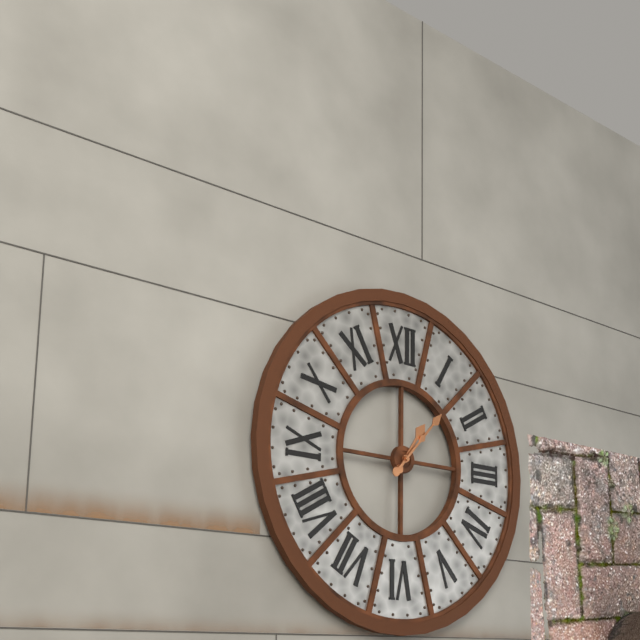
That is **1:07**
